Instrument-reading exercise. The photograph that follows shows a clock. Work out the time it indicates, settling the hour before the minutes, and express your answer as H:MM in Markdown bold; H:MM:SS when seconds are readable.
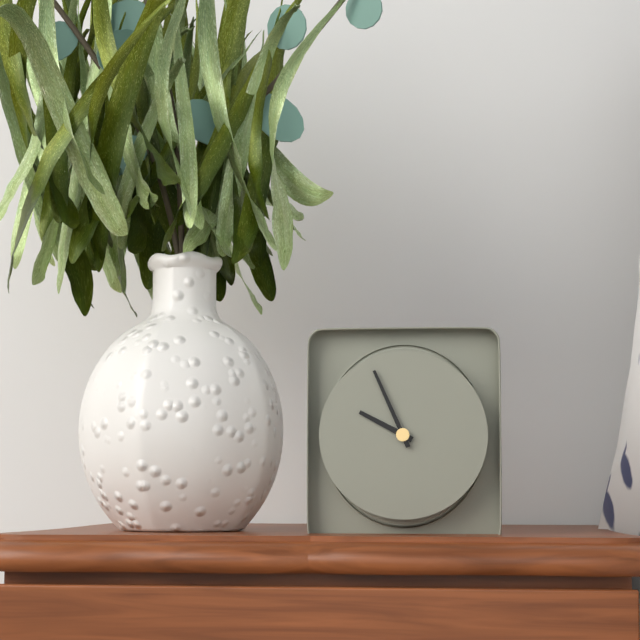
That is **9:56**
